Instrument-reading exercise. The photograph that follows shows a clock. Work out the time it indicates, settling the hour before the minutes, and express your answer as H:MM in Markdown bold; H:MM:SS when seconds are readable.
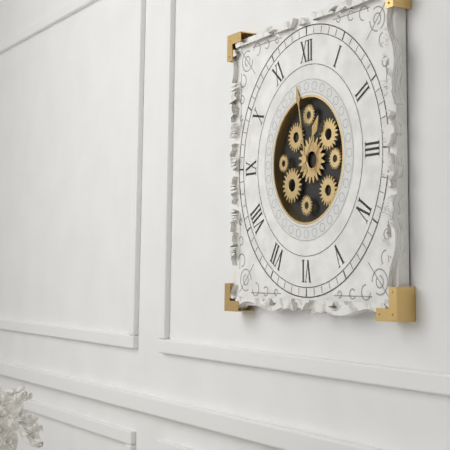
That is **12:58**
